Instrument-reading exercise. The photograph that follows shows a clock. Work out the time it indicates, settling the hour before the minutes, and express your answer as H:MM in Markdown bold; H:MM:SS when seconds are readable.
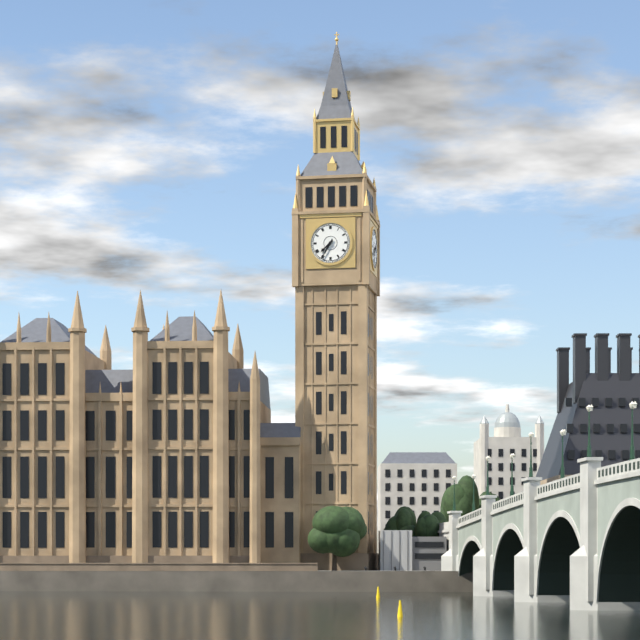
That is **7:35**
